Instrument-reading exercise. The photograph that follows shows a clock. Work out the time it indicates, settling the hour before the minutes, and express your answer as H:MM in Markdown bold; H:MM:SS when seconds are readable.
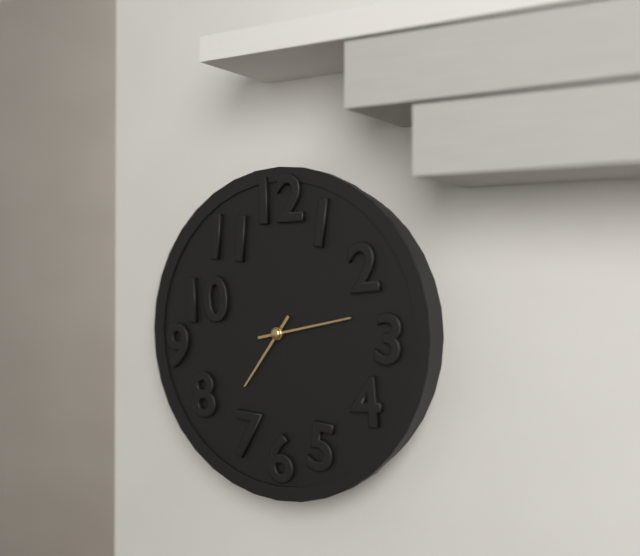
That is **7:13**
